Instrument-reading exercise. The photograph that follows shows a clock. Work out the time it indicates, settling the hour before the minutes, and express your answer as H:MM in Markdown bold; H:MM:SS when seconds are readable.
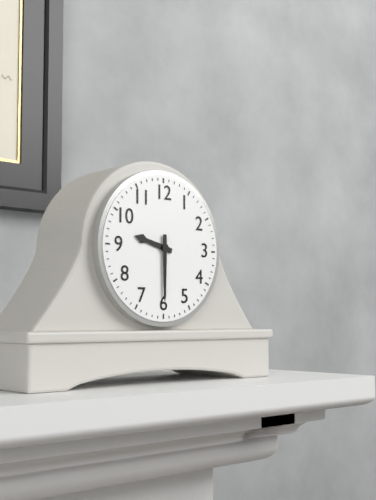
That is **9:30**
